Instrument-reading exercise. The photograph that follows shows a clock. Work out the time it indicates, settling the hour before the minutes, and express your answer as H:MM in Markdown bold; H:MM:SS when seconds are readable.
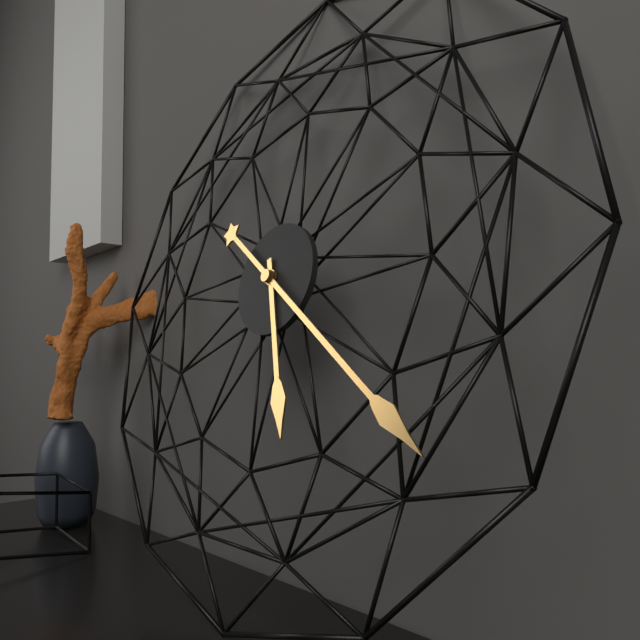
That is **5:21**
